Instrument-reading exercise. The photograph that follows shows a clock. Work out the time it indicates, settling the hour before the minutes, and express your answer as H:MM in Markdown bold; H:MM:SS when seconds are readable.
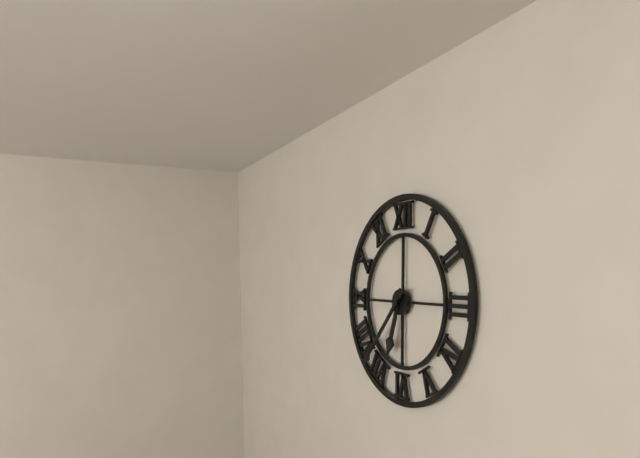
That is **6:37**
